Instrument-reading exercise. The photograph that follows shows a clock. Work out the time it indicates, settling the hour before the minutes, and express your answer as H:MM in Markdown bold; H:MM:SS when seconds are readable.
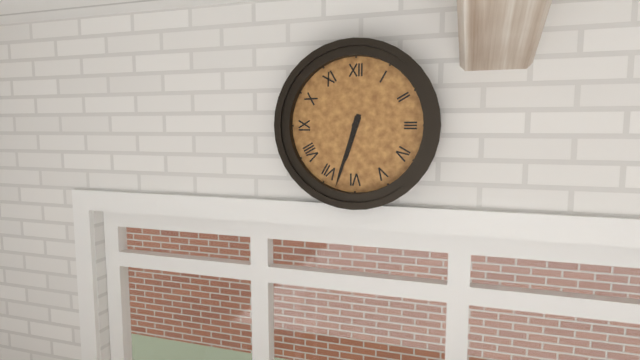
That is **6:33**
